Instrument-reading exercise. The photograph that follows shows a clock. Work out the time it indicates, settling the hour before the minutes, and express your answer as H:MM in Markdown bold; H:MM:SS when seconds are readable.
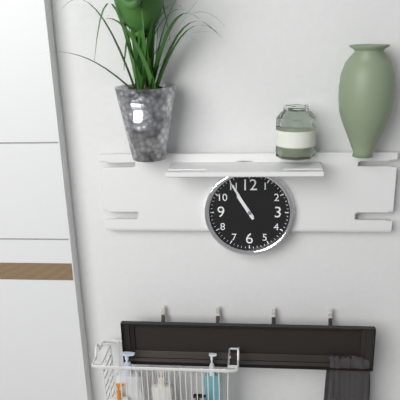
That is **10:55**
